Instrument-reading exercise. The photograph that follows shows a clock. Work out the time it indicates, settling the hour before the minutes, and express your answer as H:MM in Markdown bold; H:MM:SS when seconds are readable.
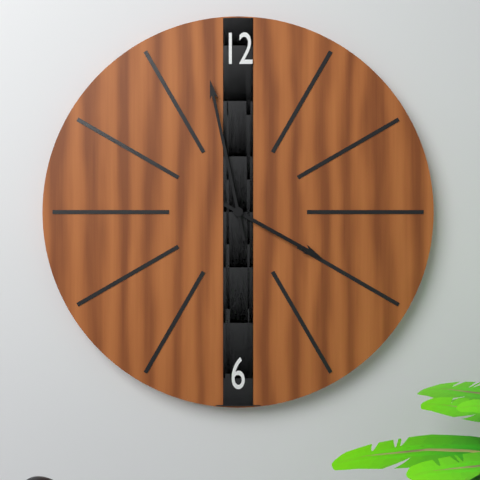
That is **3:58**
